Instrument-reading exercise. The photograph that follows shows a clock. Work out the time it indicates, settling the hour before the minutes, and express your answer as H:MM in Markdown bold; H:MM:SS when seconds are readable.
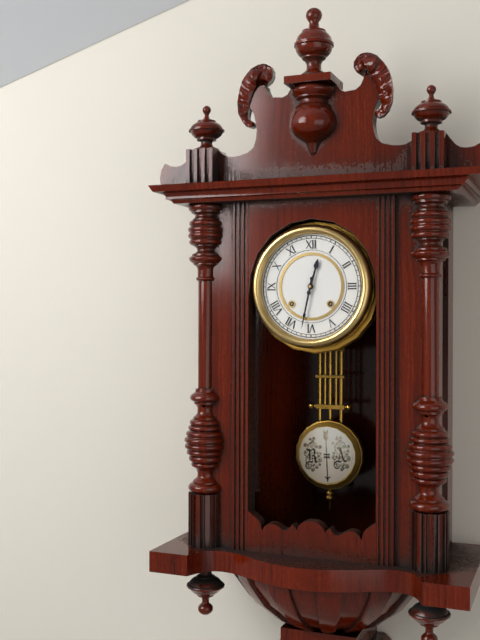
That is **12:32**
